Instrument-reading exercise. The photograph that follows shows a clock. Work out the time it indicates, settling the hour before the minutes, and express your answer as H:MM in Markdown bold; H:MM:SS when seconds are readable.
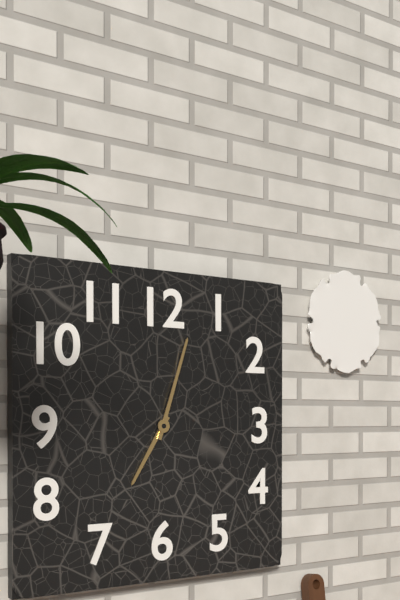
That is **7:03**
